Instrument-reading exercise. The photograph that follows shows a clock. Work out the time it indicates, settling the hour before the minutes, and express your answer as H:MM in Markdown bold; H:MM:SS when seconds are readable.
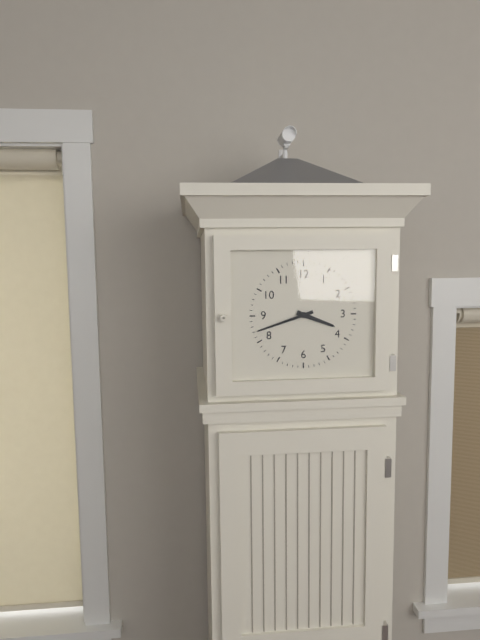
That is **3:42**
